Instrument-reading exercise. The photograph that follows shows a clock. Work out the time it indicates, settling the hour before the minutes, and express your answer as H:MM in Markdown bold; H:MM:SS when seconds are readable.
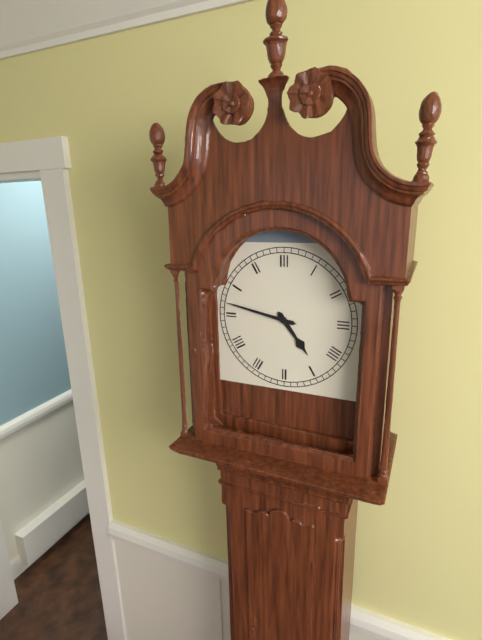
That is **4:47**
